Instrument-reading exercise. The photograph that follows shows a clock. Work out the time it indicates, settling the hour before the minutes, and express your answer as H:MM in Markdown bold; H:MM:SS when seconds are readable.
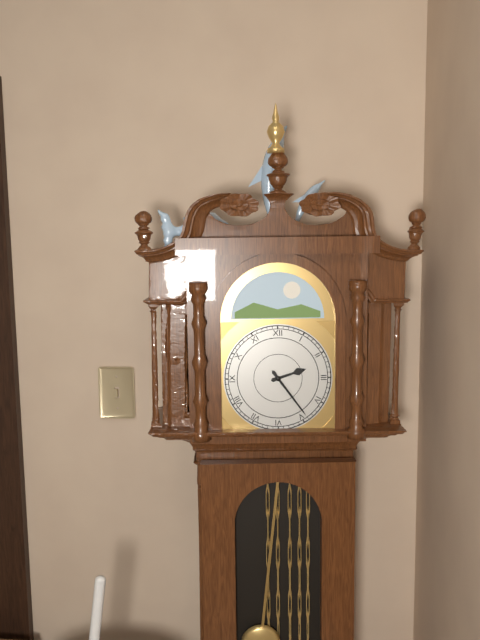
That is **2:24**
